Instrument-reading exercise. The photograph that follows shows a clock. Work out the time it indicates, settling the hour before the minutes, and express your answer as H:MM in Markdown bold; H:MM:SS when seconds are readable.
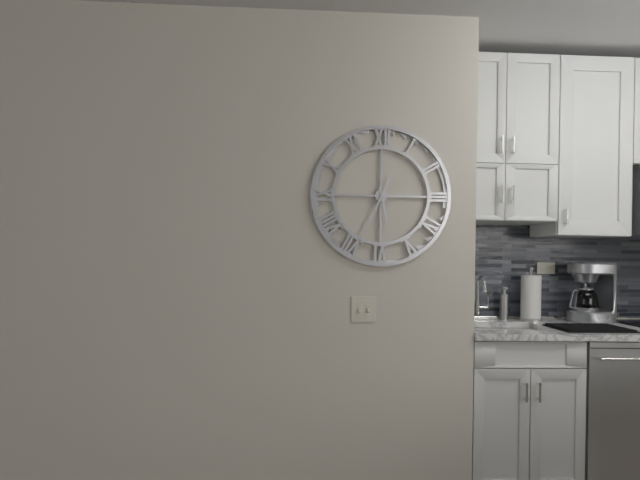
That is **5:34**
